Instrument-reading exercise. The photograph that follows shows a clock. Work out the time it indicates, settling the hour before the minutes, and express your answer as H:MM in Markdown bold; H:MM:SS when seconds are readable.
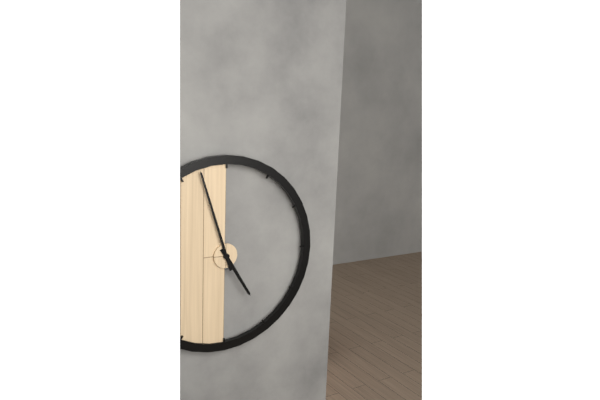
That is **4:57**
